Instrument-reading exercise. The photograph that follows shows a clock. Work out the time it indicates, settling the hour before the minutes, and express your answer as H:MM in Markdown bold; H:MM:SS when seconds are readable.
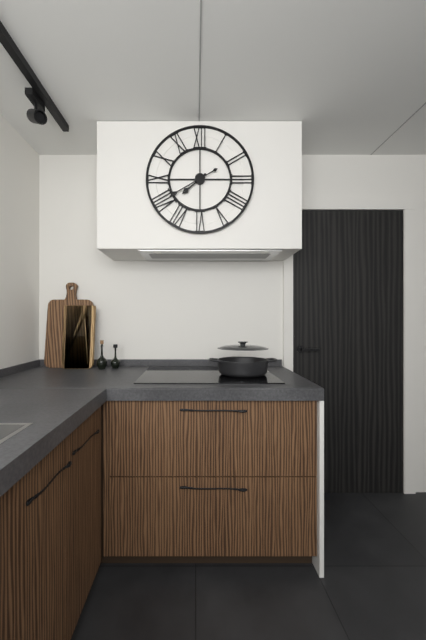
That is **7:40**
